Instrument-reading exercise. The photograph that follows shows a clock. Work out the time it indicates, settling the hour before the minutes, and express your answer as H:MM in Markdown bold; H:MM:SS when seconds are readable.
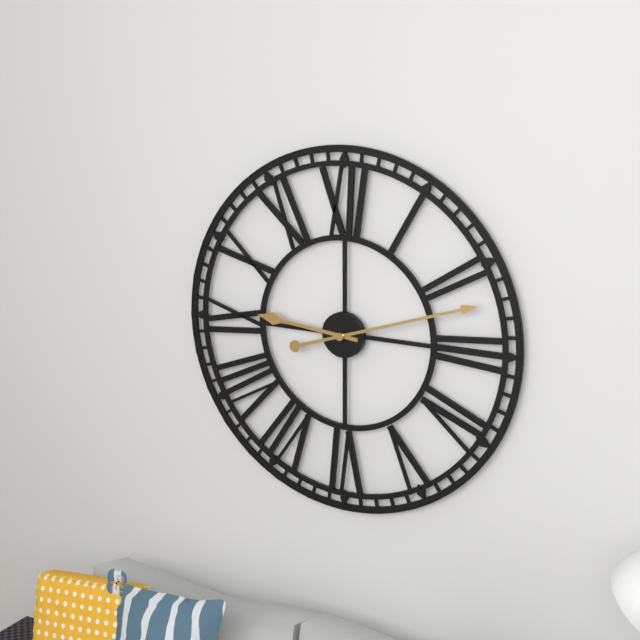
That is **9:12**
